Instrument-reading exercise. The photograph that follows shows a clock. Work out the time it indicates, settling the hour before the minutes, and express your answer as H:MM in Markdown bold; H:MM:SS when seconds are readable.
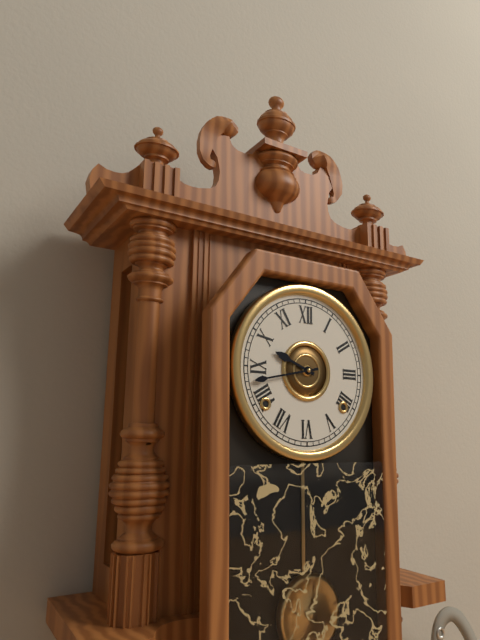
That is **9:43**
